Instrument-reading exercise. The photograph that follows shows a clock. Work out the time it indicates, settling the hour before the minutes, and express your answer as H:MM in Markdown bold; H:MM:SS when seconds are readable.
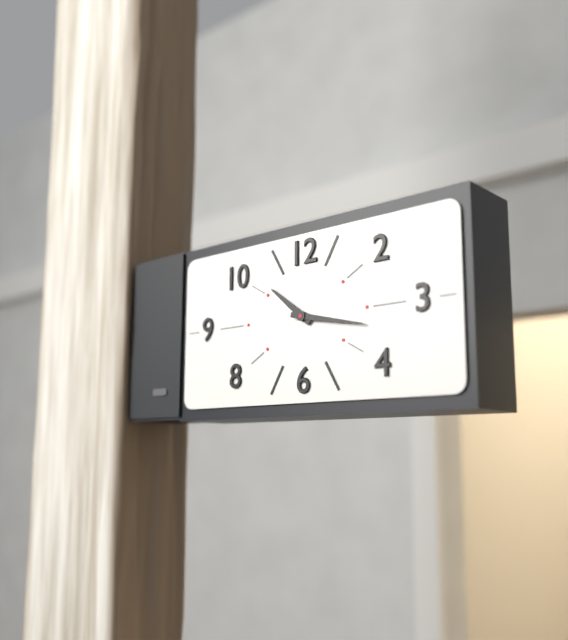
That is **10:17**
